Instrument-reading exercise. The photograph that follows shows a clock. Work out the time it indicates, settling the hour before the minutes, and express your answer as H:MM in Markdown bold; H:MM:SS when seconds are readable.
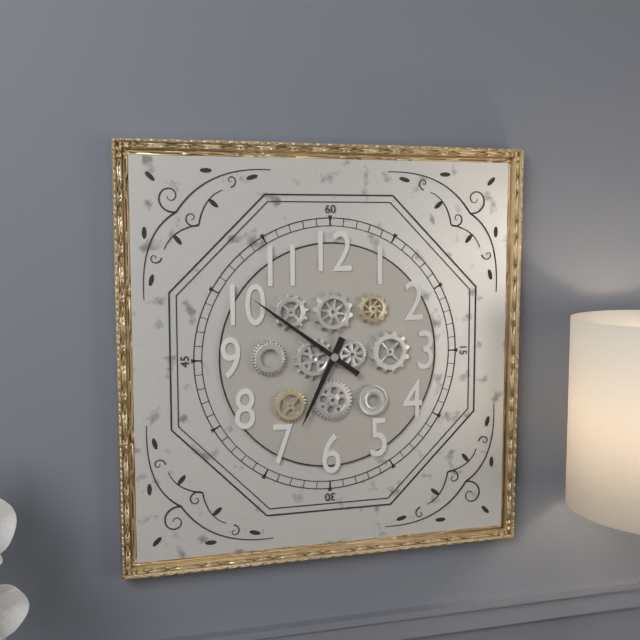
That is **6:51**
